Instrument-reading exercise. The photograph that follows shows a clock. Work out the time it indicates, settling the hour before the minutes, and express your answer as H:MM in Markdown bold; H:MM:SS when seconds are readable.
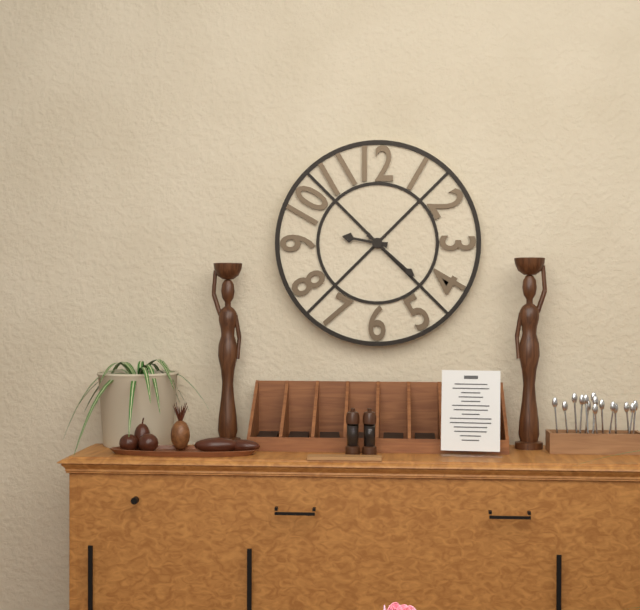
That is **9:22**
